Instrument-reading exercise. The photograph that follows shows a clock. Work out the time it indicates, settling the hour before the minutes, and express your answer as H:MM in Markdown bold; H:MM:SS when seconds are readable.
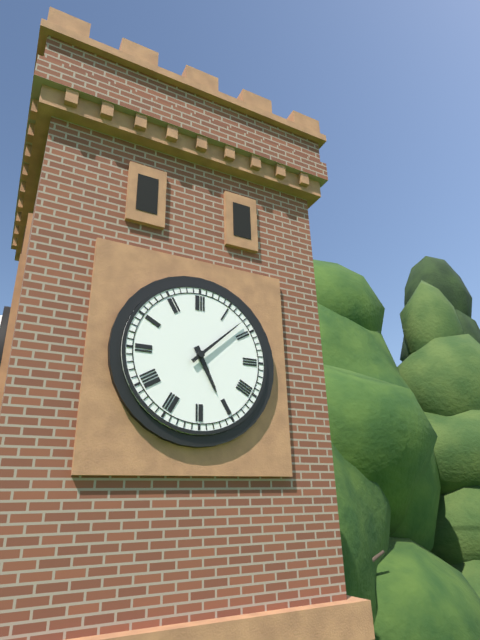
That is **5:08**
